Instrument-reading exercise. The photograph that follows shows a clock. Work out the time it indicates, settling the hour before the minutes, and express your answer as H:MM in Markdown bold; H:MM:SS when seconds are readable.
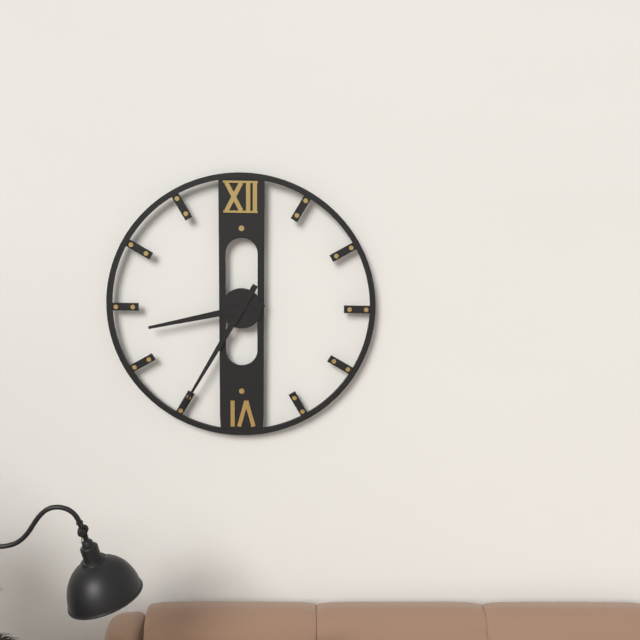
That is **8:35**
